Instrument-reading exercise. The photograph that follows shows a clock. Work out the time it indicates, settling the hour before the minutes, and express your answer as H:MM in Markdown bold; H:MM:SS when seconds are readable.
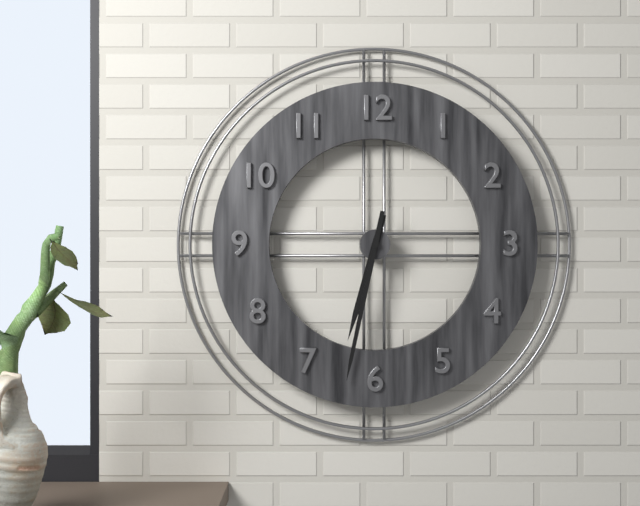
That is **6:32**
